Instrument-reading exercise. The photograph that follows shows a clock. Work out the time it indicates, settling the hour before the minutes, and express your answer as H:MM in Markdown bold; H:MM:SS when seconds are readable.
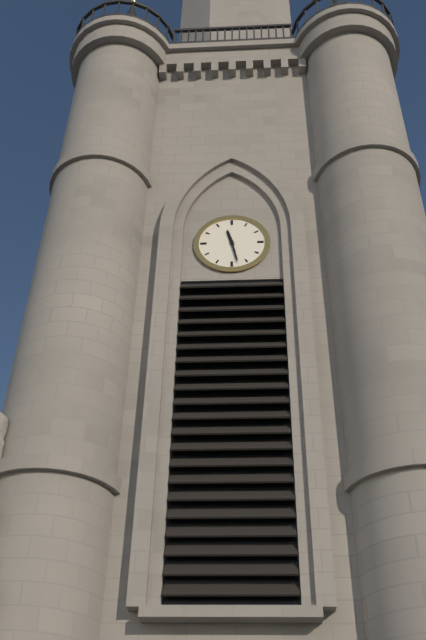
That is **11:28**
